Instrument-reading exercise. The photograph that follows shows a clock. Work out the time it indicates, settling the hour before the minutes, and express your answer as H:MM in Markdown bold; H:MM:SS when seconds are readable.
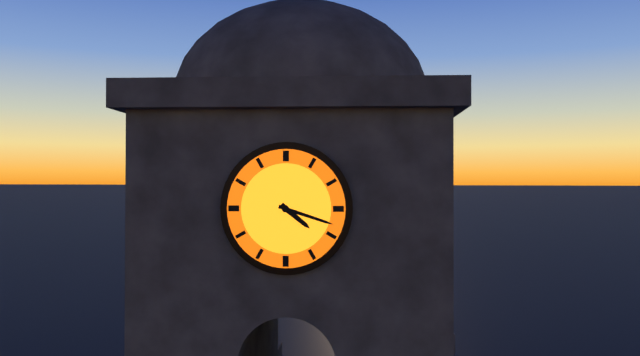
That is **4:18**
